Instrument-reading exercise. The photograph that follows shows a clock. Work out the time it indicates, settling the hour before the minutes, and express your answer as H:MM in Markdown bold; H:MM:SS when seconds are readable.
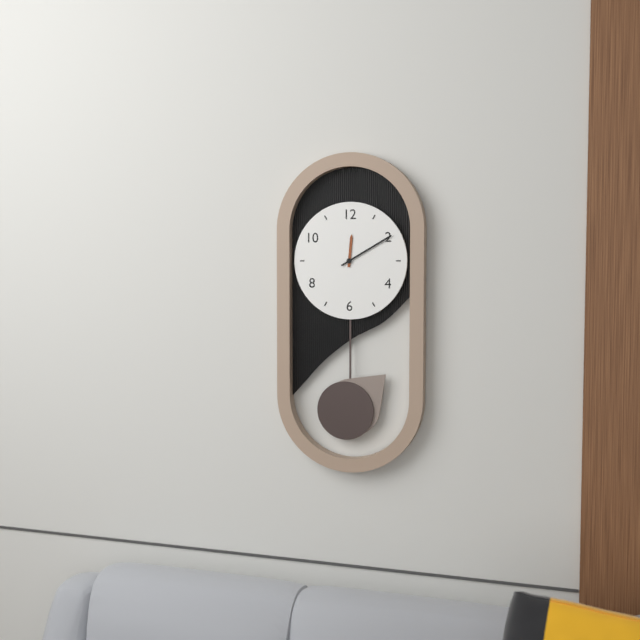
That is **12:10**
